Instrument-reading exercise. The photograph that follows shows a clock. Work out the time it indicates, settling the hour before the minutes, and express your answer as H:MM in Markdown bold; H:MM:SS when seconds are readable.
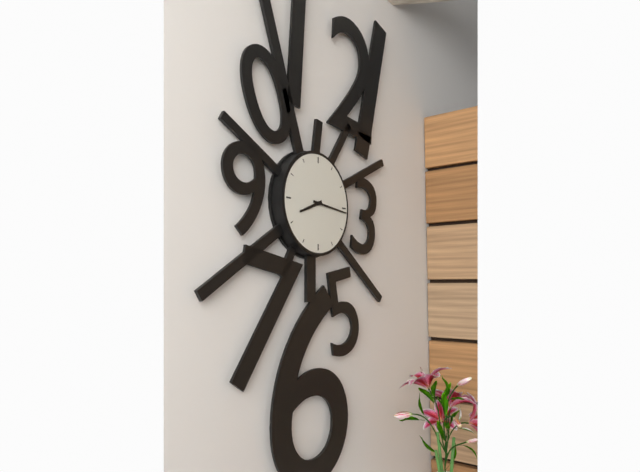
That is **8:16**
